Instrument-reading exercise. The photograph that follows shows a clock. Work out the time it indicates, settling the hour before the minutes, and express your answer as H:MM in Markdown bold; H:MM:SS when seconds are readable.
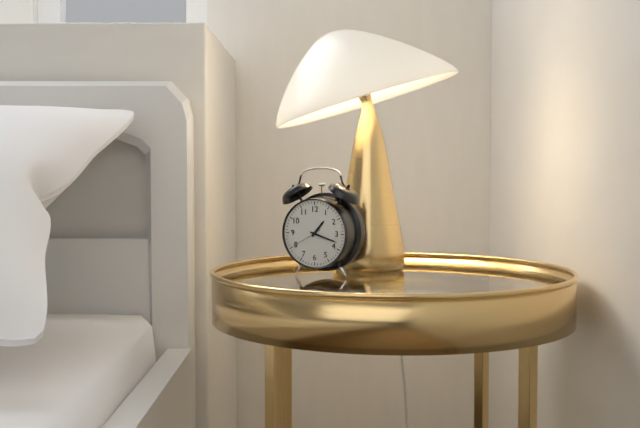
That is **1:18**
